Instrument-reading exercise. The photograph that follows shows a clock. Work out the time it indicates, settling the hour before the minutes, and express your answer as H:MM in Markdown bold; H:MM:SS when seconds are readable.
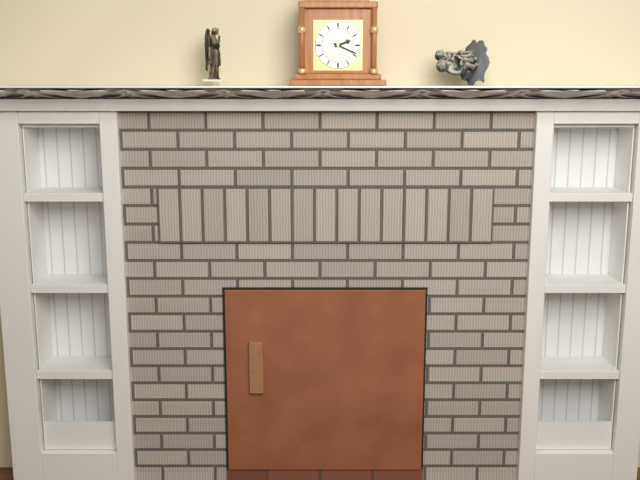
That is **2:19**
